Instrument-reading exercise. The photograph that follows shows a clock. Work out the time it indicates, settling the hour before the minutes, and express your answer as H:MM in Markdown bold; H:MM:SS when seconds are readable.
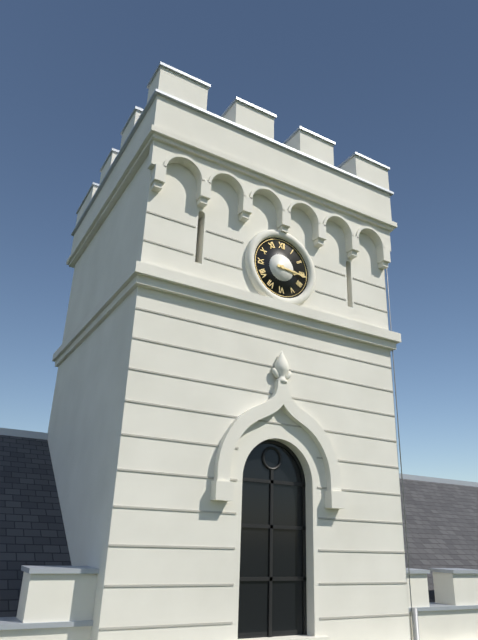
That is **3:16**
